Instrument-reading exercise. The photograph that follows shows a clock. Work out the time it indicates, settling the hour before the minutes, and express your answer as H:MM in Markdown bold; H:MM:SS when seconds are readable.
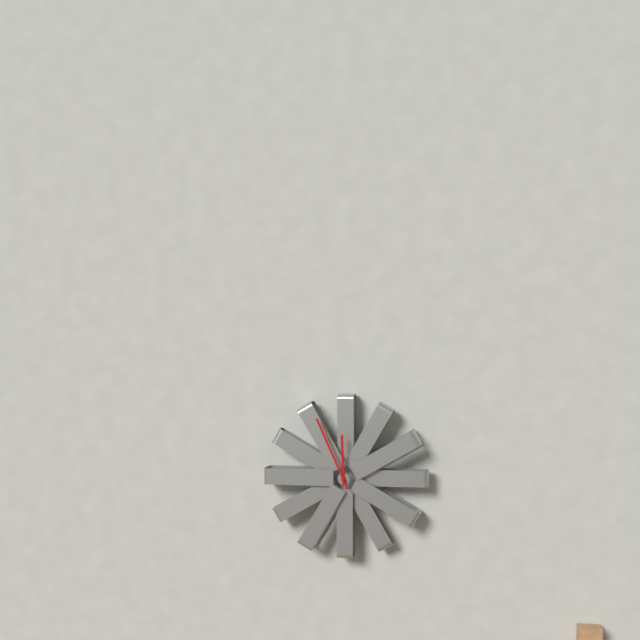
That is **11:56**
